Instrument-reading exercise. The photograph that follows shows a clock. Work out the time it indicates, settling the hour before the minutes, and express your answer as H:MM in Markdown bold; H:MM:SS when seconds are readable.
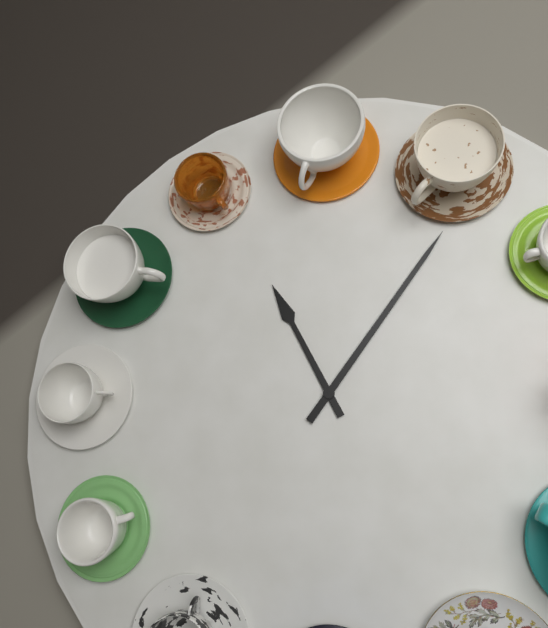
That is **11:06**
